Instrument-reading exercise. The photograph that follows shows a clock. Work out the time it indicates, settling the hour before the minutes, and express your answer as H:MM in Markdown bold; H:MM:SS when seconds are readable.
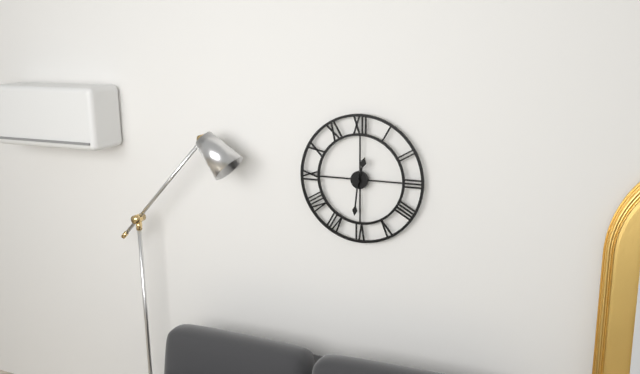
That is **12:31**
